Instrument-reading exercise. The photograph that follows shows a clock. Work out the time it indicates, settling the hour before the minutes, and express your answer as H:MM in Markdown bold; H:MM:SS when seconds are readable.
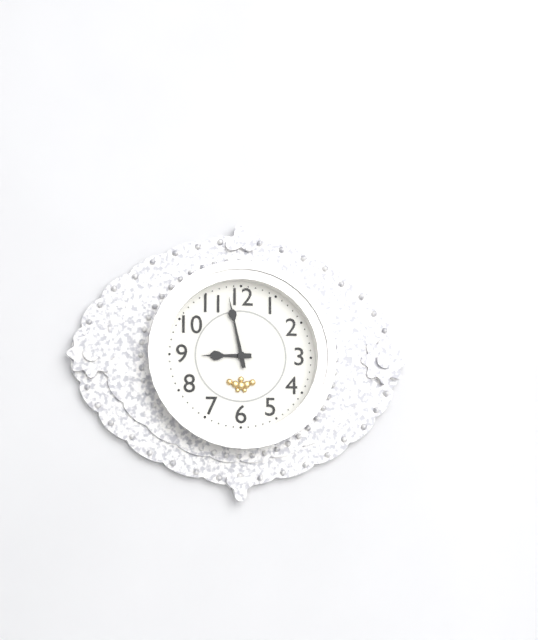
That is **8:58**
